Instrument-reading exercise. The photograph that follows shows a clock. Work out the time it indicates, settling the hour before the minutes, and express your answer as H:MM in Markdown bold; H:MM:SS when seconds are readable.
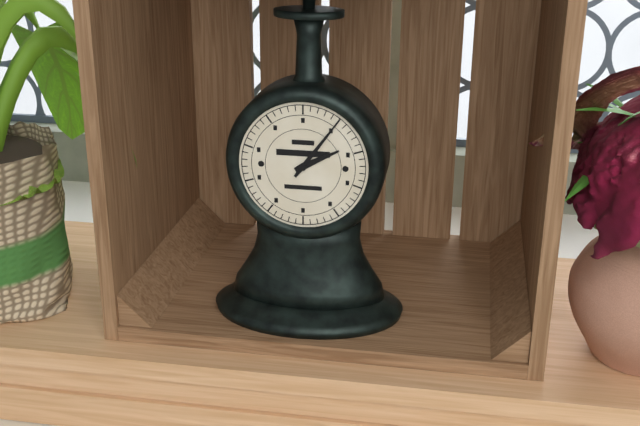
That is **2:06**
